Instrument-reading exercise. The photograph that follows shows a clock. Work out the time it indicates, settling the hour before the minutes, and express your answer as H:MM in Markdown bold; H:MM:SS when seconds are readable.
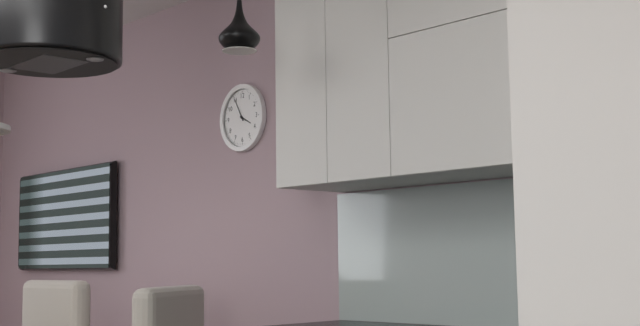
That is **3:55**
